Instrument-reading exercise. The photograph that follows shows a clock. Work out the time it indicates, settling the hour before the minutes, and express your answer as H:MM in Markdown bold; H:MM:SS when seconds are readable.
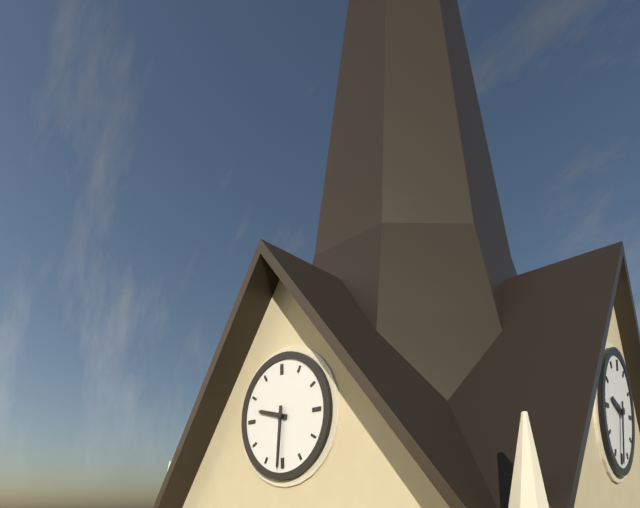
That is **9:31**
